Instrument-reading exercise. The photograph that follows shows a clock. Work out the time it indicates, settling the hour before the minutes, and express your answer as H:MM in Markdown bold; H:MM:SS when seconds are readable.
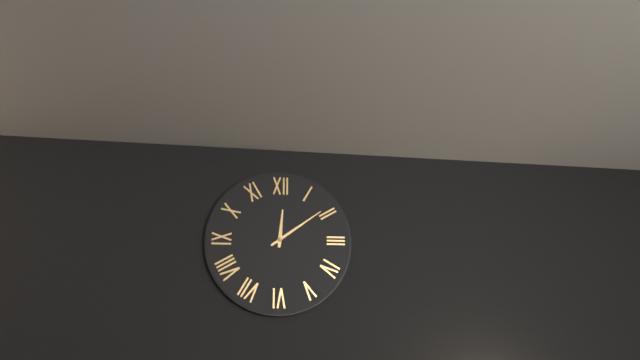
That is **12:09**
